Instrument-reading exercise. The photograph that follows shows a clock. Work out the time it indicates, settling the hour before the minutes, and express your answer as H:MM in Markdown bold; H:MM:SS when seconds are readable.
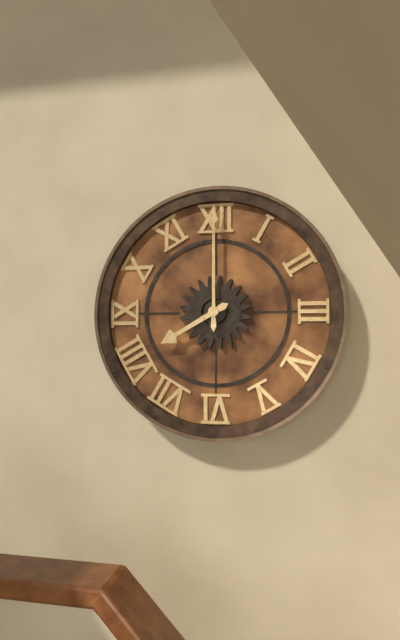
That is **8:00**
